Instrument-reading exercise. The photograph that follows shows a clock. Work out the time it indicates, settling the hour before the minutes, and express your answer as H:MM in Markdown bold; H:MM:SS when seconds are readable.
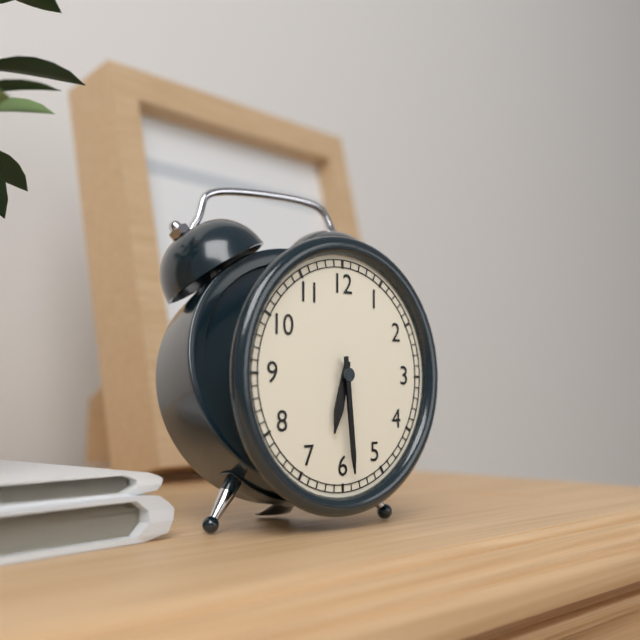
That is **6:29**
